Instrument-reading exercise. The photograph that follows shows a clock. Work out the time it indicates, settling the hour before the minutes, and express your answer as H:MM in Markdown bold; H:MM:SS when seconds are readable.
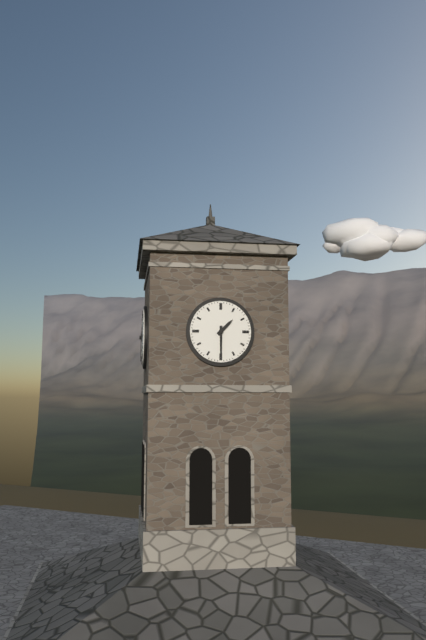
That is **1:30**
